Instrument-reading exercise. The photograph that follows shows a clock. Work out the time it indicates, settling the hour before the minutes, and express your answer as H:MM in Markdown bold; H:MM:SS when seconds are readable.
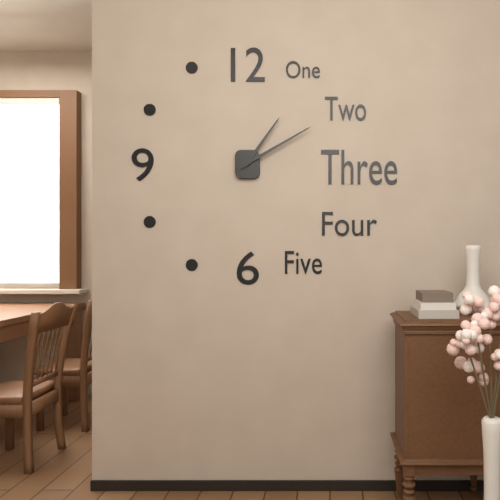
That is **1:10**
